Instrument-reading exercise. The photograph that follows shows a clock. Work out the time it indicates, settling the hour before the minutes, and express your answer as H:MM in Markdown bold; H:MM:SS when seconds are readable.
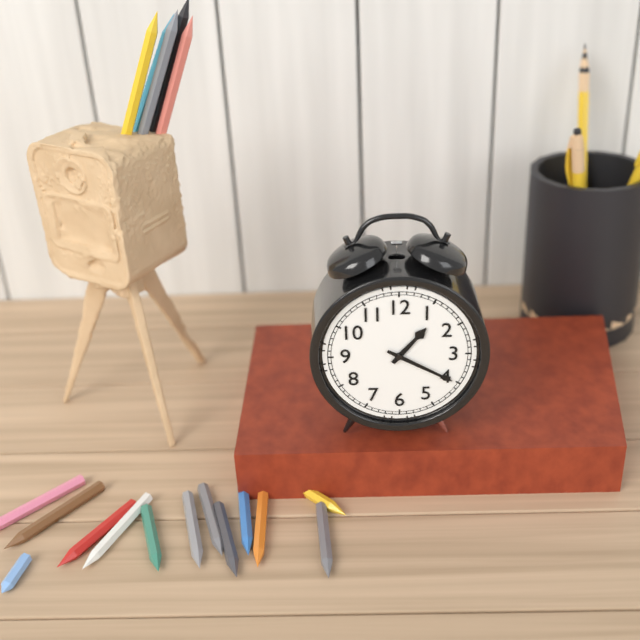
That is **1:20**
